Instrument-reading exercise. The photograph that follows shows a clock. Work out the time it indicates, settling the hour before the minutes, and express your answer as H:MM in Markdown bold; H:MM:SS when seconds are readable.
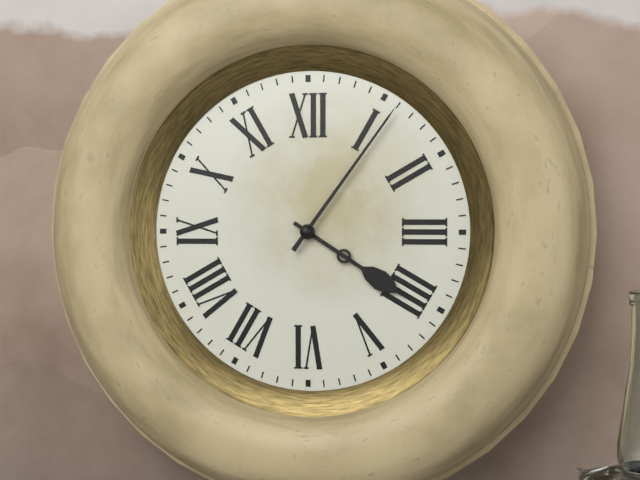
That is **4:06**
